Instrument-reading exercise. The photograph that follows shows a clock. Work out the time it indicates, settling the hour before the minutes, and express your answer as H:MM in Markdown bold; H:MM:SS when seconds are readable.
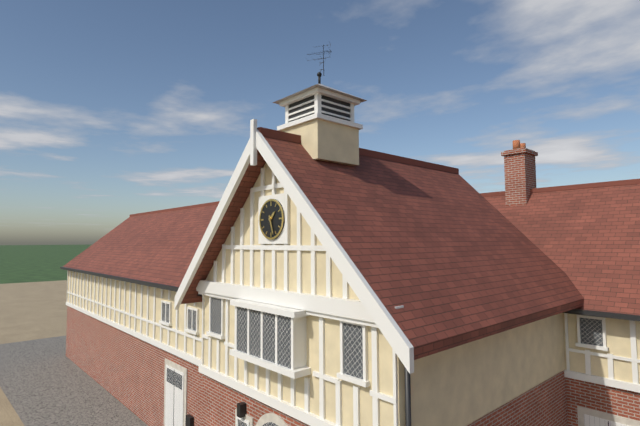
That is **1:27**
